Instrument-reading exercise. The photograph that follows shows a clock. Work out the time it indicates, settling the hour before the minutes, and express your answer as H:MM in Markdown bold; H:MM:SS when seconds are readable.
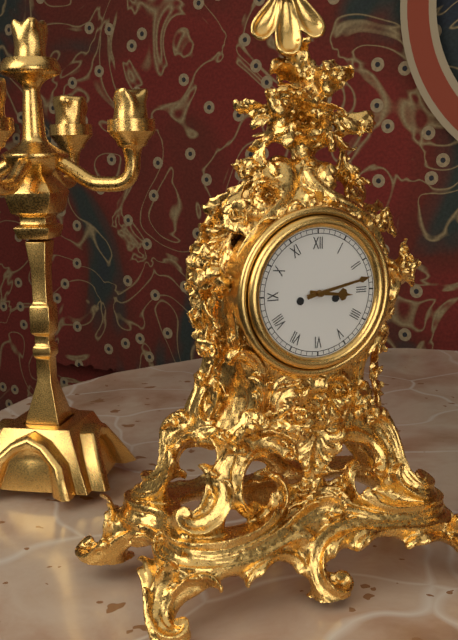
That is **3:13**
